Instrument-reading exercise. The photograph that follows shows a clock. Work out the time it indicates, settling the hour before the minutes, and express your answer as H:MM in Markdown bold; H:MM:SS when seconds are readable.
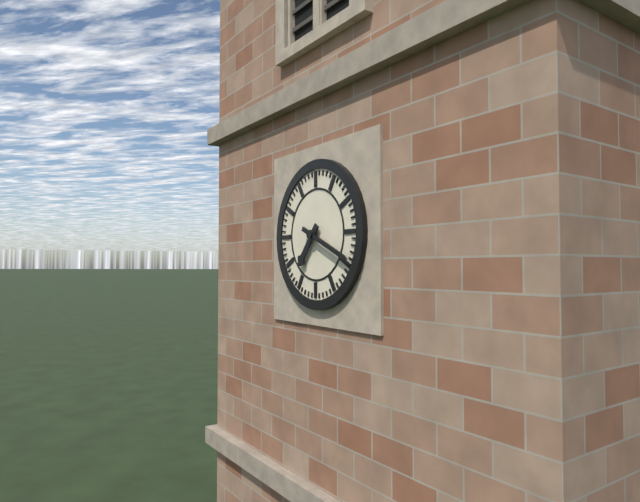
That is **7:19**
